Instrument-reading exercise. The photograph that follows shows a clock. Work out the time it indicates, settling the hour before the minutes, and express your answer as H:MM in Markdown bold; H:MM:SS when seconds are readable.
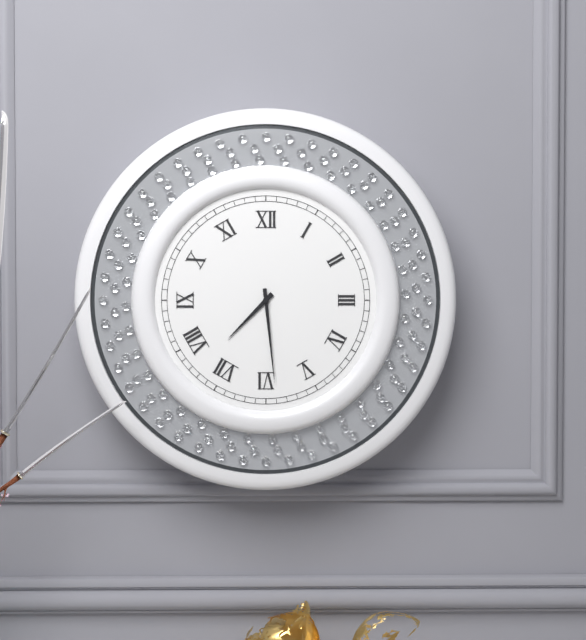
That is **7:29**
